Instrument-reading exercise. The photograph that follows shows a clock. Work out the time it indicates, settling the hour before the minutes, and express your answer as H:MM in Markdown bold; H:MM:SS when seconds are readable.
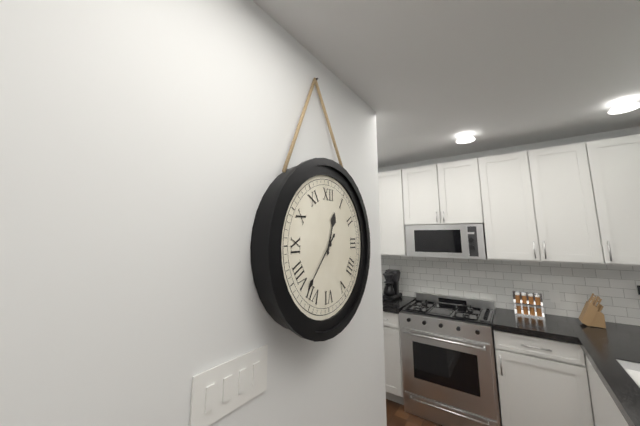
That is **12:37**
